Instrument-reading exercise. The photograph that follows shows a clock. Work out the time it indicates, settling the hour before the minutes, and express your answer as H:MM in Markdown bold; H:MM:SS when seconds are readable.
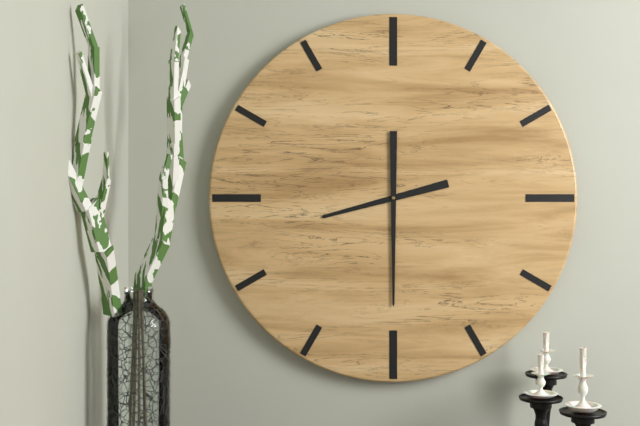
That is **8:30**
